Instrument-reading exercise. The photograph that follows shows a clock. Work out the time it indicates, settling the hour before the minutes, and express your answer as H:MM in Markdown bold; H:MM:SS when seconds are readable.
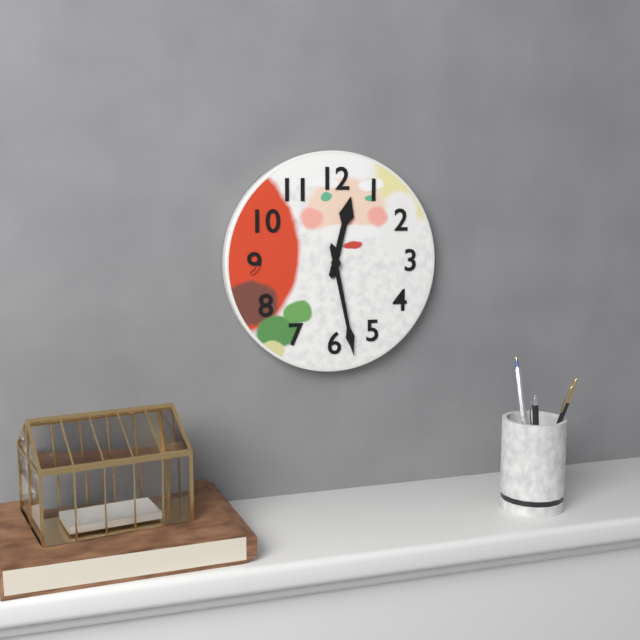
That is **12:28**
